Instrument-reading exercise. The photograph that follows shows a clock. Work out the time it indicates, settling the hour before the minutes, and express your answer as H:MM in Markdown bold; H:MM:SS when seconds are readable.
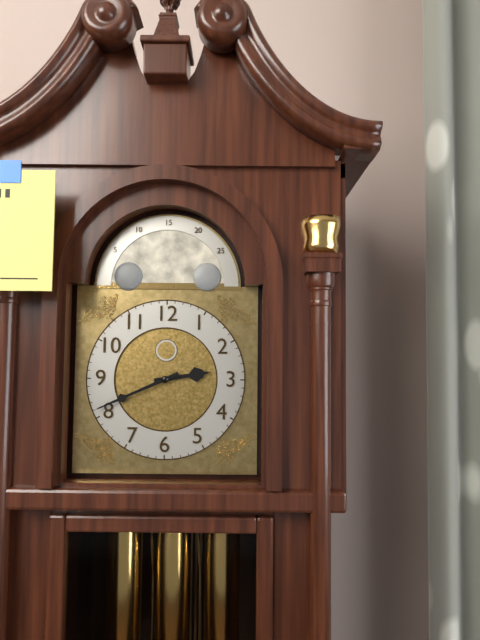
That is **2:41**
